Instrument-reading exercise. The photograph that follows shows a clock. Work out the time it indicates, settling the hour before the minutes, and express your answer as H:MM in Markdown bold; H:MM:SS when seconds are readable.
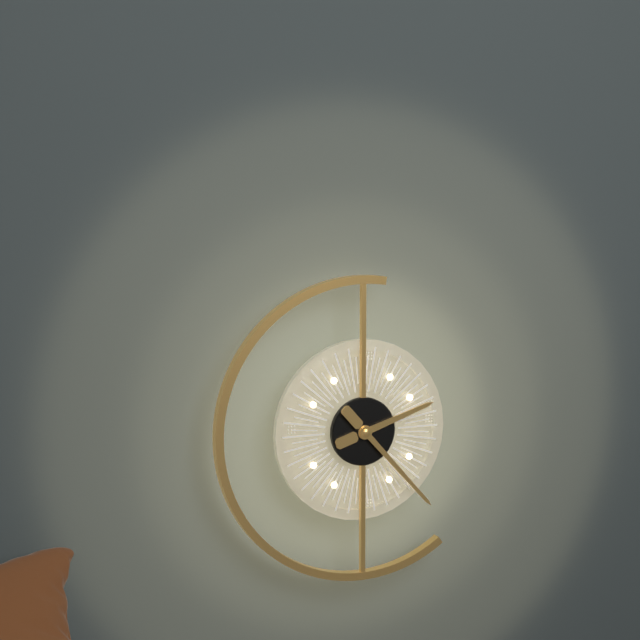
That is **2:23**
